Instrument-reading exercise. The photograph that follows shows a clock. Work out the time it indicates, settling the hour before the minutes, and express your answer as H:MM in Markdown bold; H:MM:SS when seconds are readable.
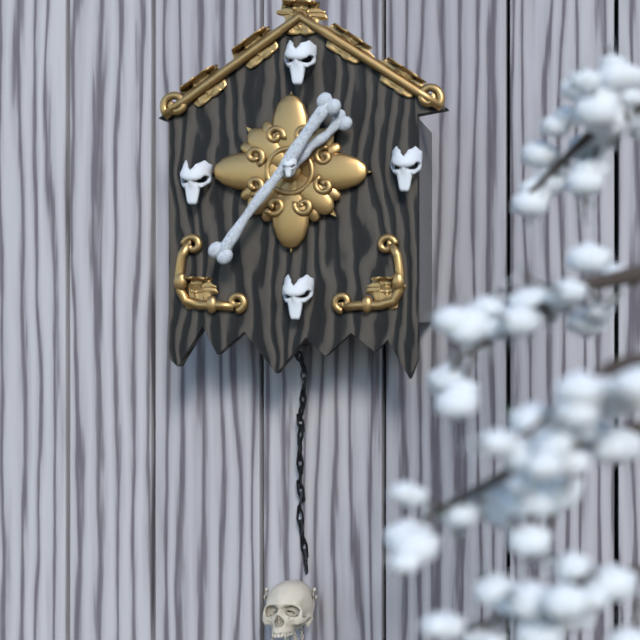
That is **1:36**
